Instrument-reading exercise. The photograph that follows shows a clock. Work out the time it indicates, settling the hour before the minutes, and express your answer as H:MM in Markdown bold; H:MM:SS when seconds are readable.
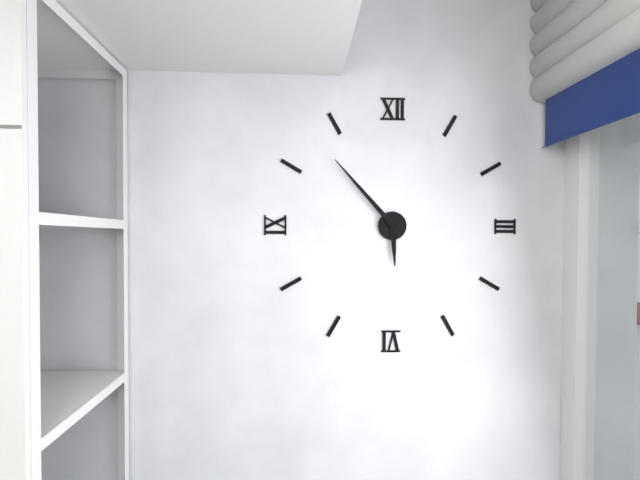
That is **5:53**
